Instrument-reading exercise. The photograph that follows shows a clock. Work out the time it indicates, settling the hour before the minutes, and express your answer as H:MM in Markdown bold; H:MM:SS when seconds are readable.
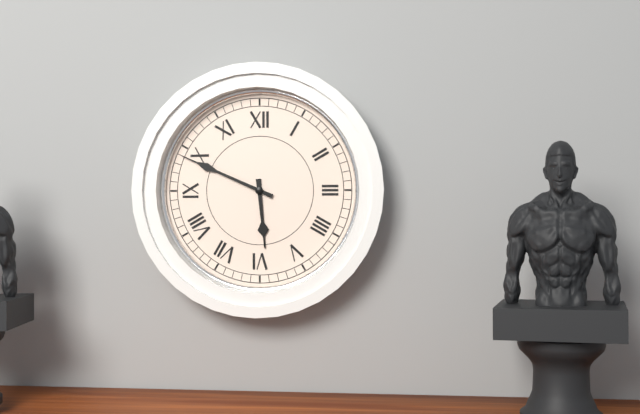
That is **5:49**
